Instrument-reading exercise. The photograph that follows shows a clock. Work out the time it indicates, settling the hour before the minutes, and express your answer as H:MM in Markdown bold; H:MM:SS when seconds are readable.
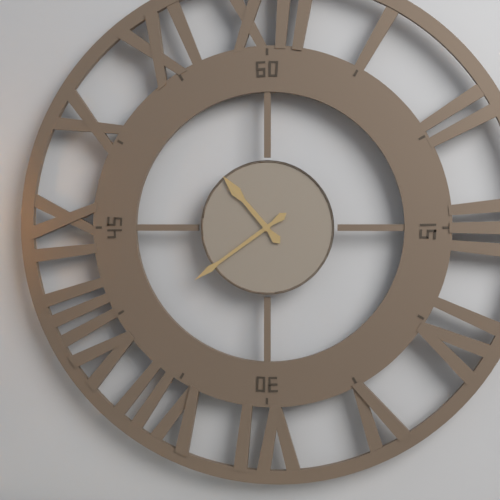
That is **10:39**
